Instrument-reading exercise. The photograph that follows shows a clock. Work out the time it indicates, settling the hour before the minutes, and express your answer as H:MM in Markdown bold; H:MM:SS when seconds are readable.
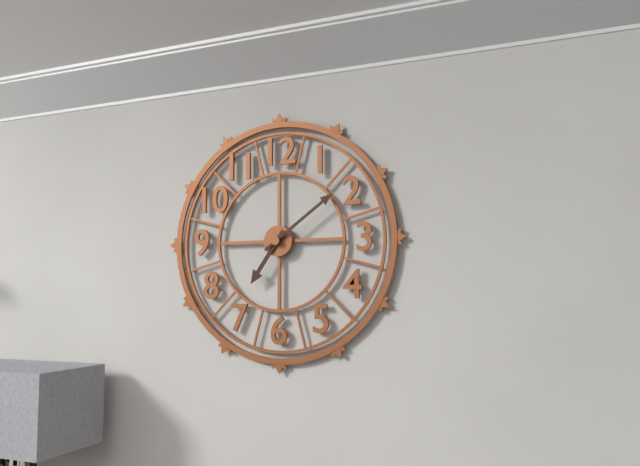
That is **7:09**
